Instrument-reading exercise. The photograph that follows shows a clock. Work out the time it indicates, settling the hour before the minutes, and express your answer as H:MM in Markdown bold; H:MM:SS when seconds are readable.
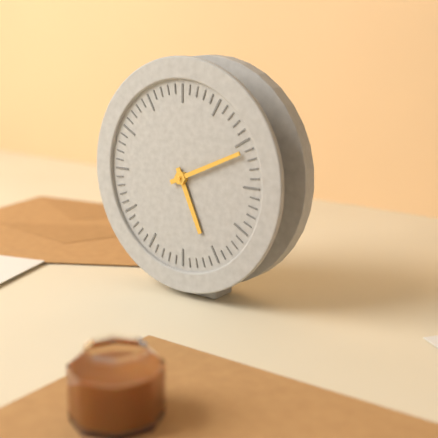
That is **5:11**
